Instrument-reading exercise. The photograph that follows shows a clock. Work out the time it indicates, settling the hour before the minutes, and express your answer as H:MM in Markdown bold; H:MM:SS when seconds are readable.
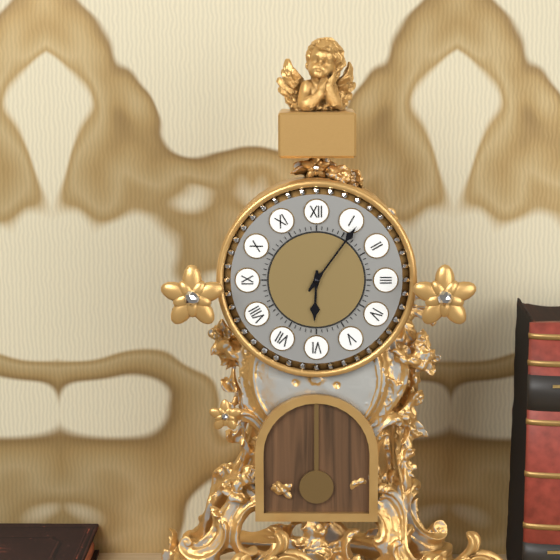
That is **6:06**
